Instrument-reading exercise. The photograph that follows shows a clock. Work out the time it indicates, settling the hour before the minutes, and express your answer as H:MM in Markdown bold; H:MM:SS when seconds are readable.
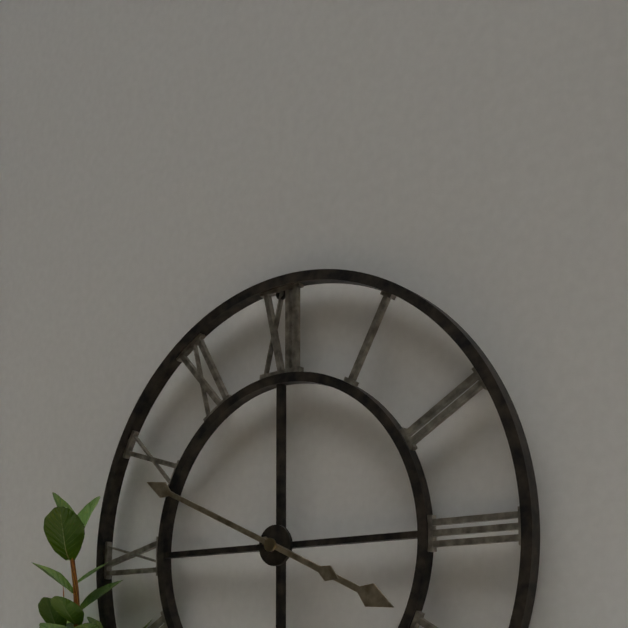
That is **3:49**
